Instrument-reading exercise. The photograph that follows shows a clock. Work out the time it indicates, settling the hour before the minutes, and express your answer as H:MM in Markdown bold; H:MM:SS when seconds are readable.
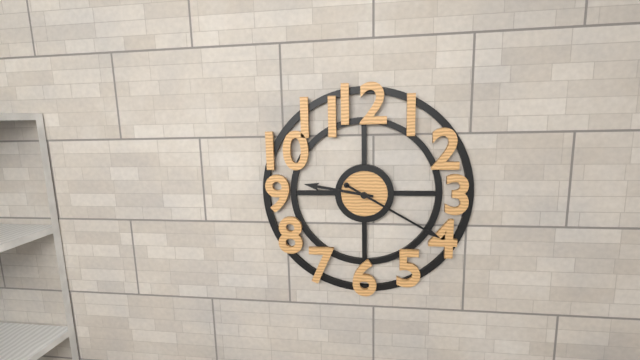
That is **9:20**
